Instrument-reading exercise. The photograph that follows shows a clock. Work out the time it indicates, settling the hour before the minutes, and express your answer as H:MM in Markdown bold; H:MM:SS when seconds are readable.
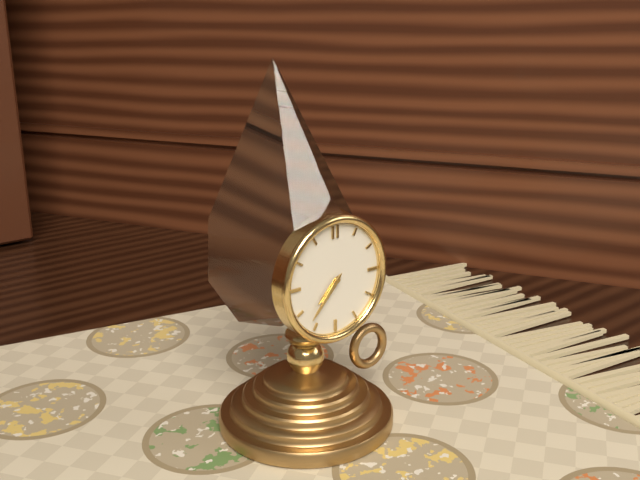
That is **7:37**
